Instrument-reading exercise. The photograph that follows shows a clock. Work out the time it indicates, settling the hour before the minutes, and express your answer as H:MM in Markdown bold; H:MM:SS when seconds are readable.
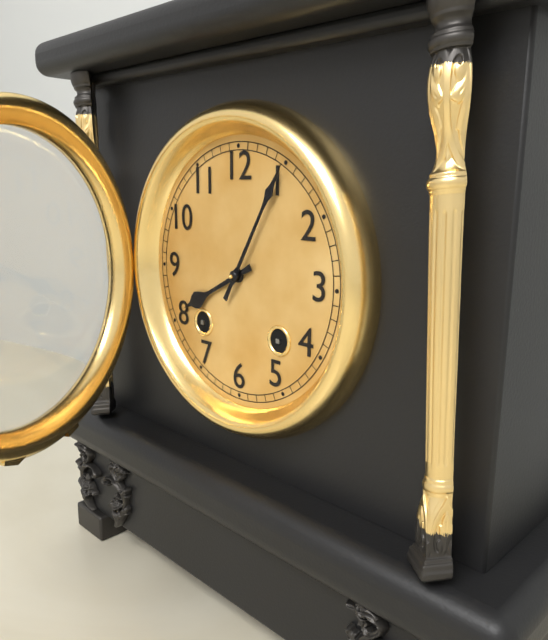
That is **8:05**
